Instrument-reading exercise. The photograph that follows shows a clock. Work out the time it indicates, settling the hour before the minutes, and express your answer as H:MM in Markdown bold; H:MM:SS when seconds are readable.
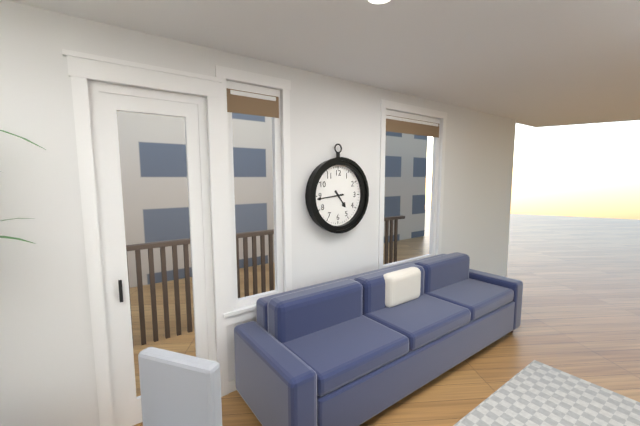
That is **4:44**
